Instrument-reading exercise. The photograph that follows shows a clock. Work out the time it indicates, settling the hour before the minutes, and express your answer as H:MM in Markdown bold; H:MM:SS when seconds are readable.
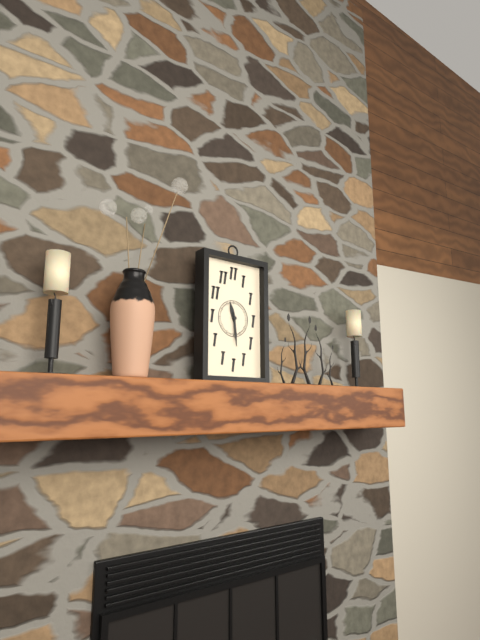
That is **11:29**
